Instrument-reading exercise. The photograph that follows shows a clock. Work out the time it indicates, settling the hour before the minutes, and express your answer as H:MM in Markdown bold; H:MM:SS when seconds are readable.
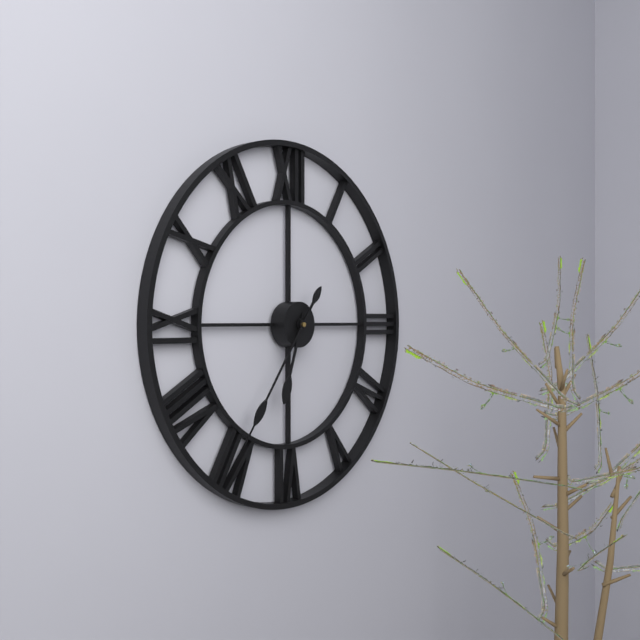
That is **6:36**
